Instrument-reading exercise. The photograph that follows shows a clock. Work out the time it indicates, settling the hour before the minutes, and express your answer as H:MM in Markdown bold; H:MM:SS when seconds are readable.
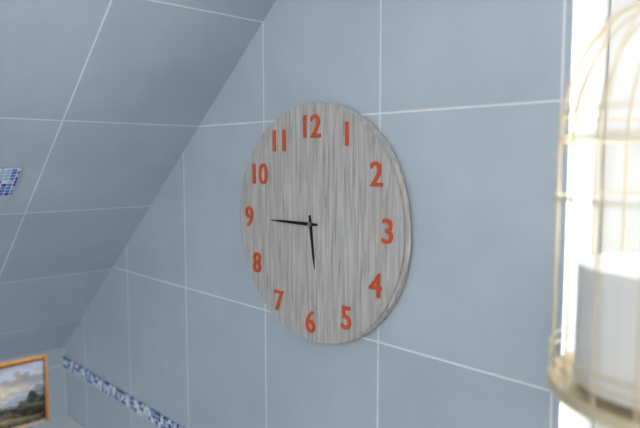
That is **5:45**
